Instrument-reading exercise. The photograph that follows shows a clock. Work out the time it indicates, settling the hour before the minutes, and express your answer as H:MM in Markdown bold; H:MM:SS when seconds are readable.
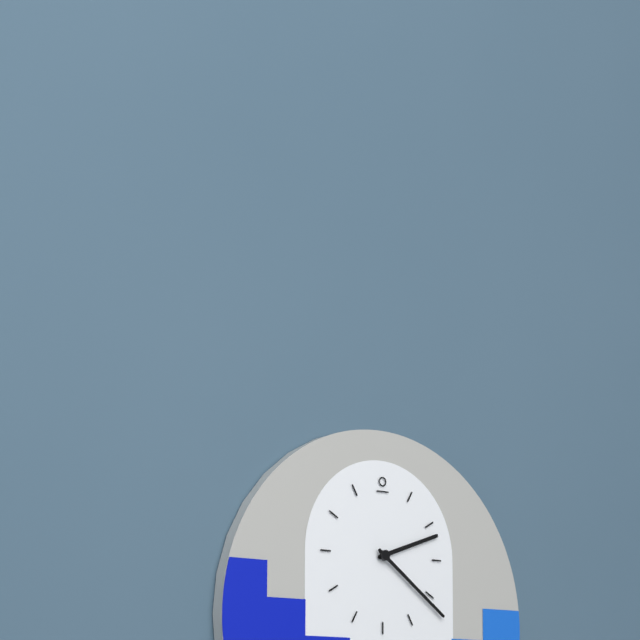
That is **2:21**
